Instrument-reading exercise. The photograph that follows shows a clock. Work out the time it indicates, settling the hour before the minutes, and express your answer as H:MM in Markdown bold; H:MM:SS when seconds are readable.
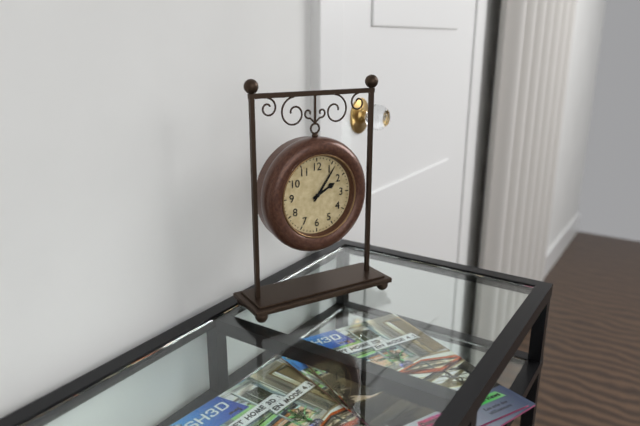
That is **2:06**
